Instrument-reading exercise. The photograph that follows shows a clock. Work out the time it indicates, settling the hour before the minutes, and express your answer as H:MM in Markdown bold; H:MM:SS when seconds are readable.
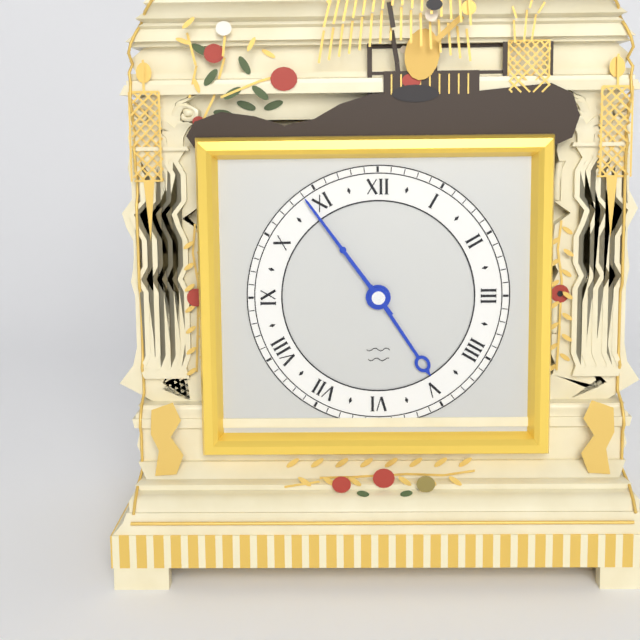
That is **4:54**
